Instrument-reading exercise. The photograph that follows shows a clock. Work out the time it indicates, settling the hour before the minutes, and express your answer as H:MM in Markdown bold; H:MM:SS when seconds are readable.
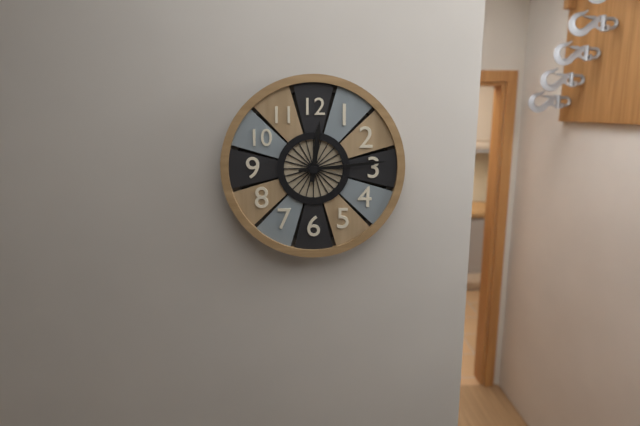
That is **12:14**
